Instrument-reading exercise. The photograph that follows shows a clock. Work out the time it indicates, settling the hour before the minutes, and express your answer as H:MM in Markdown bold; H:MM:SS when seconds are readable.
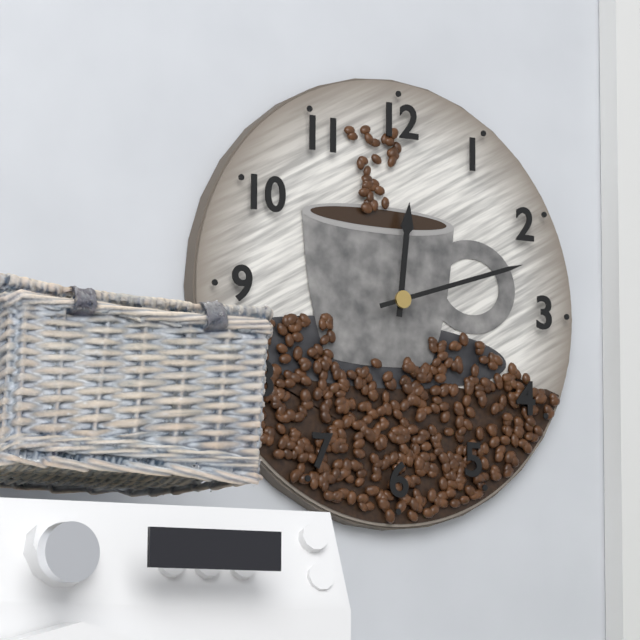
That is **12:12**
